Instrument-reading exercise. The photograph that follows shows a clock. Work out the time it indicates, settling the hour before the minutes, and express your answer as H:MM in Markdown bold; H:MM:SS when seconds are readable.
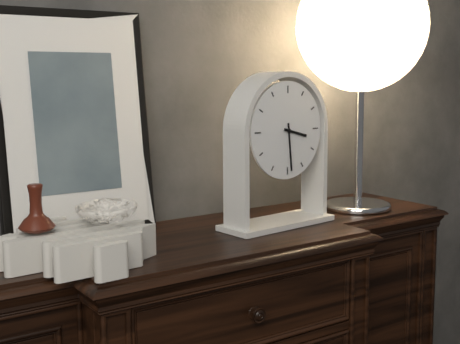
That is **3:29**
